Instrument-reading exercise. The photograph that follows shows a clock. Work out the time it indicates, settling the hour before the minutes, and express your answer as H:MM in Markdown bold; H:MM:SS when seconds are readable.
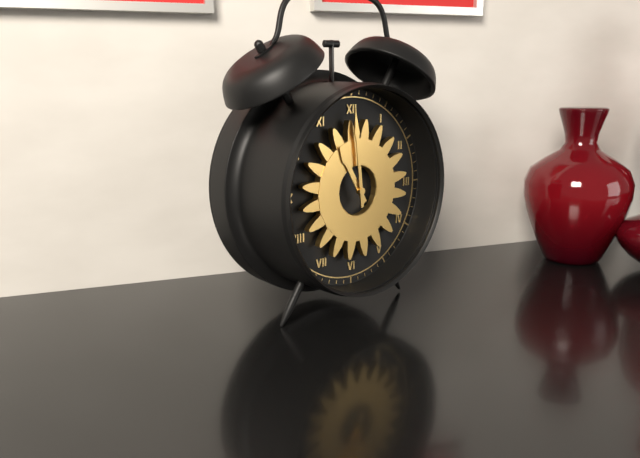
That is **10:59**
